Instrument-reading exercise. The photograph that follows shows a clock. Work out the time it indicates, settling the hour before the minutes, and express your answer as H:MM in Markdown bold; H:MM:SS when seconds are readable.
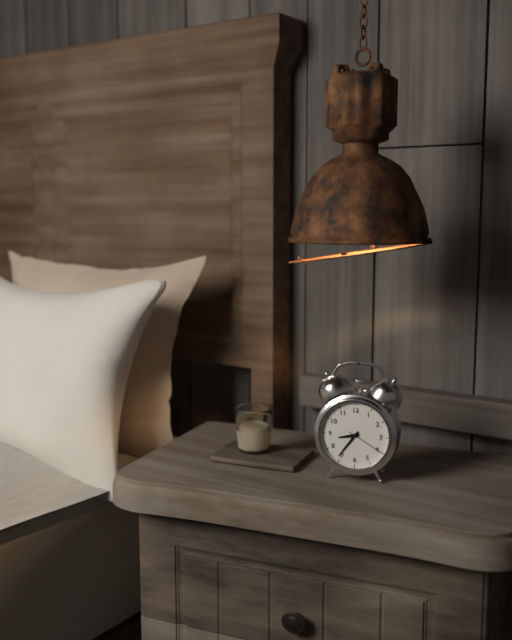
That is **8:36**
